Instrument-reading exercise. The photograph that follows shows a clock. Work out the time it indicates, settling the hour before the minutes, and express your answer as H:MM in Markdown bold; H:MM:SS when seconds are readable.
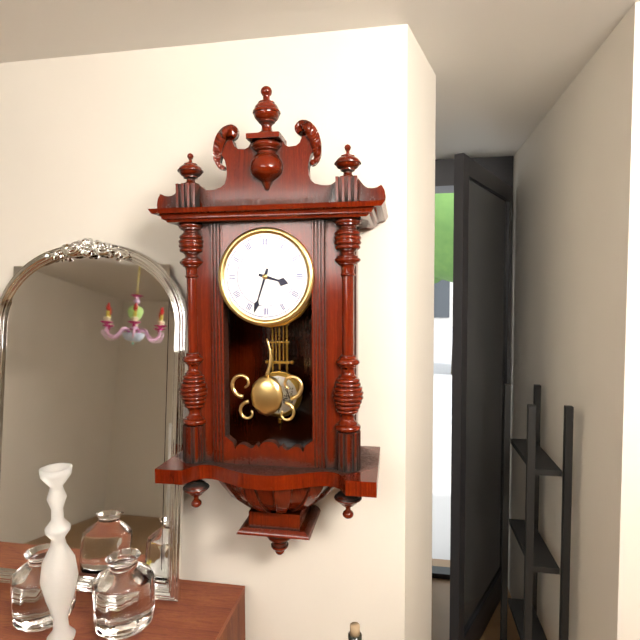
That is **3:33**
